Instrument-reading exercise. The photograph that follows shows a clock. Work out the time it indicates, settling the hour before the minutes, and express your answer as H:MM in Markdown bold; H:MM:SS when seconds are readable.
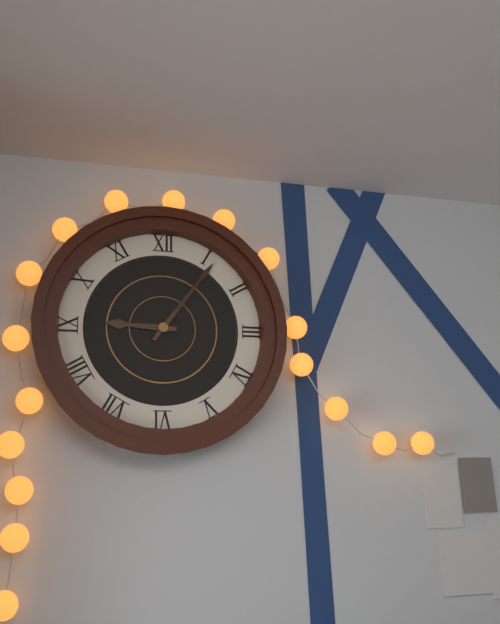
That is **9:06**
